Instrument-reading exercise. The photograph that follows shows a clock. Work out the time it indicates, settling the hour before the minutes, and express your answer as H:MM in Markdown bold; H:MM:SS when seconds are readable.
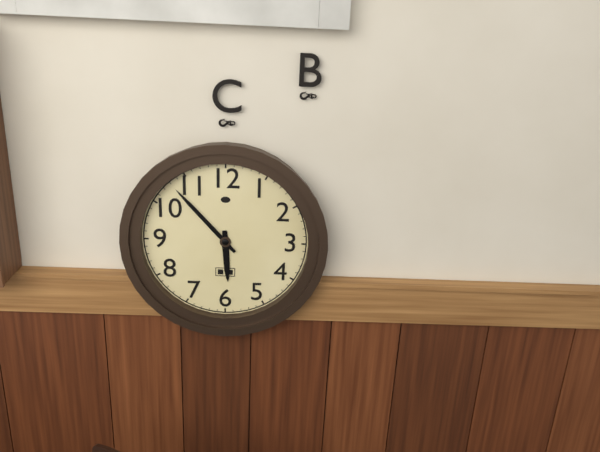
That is **5:53**
